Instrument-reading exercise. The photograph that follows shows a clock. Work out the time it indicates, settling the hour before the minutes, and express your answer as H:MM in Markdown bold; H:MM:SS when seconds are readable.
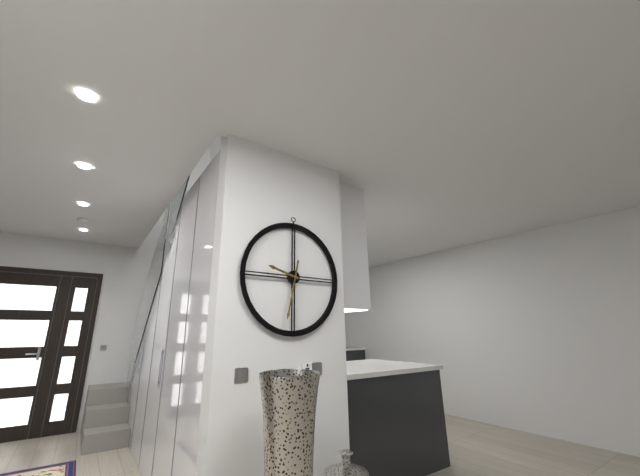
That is **9:32**
